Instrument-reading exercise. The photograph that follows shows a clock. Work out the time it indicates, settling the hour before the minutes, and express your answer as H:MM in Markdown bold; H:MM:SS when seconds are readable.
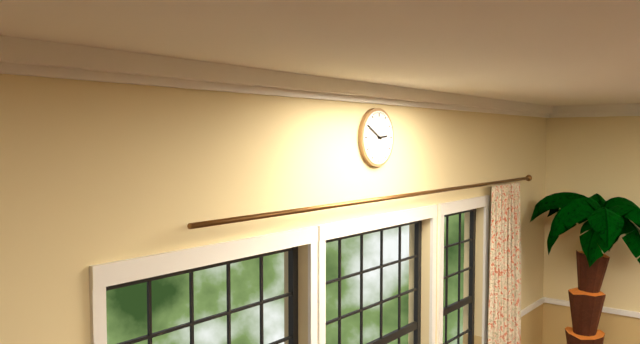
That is **2:50**
